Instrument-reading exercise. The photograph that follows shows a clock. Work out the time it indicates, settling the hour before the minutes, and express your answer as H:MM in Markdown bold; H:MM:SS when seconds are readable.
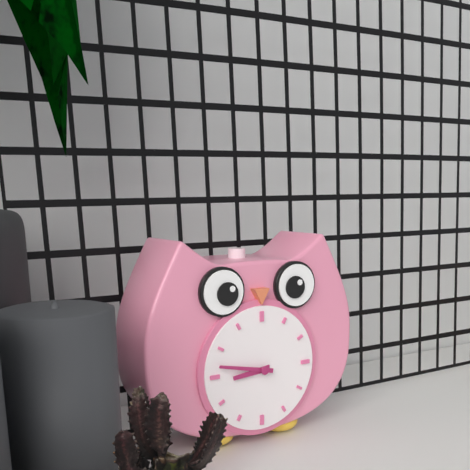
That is **8:47**
